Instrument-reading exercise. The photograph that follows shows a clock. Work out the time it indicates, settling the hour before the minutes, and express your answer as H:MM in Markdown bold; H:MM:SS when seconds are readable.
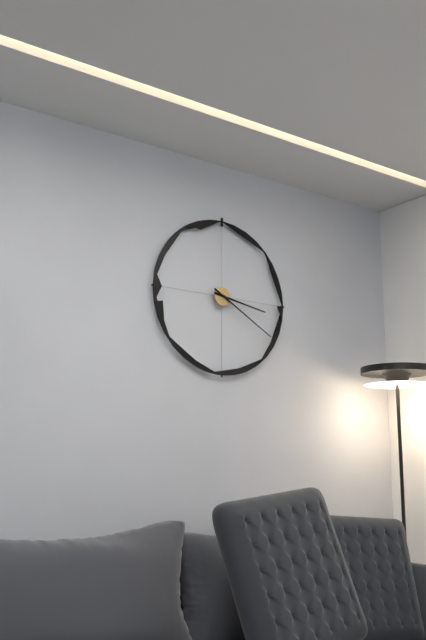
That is **3:20**
